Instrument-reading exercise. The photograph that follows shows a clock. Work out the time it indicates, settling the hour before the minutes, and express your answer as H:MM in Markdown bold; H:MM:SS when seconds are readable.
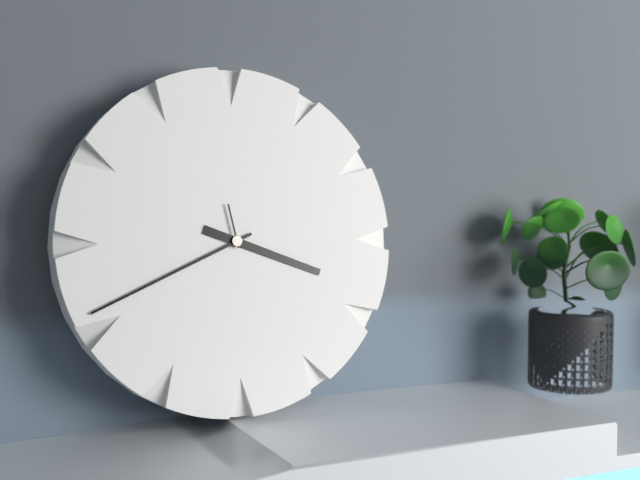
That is **3:41**
